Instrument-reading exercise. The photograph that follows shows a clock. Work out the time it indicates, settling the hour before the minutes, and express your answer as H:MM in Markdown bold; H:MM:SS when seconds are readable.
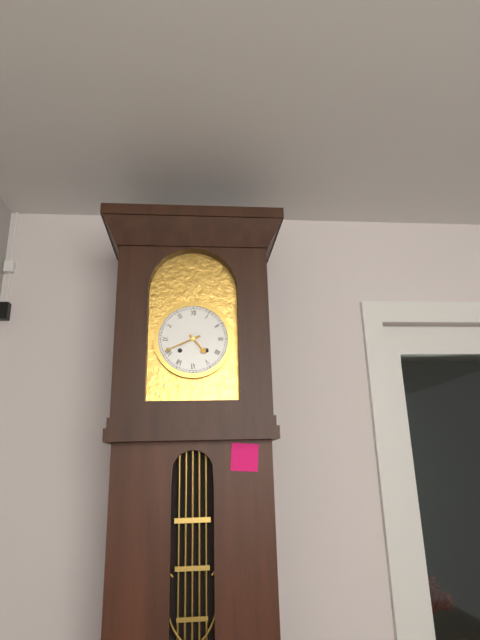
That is **4:41**
